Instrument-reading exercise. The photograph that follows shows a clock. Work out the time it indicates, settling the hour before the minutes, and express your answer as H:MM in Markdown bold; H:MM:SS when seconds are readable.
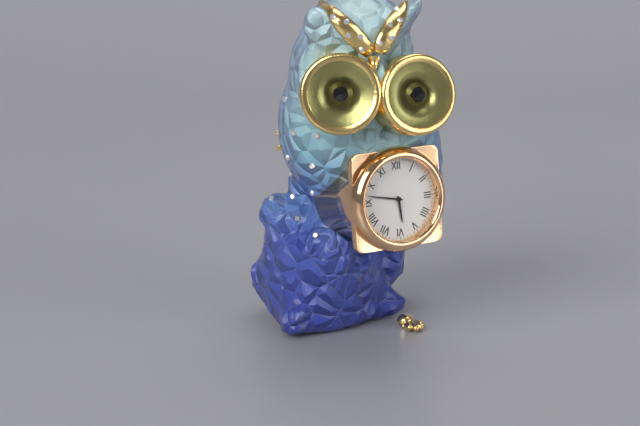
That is **5:47**
